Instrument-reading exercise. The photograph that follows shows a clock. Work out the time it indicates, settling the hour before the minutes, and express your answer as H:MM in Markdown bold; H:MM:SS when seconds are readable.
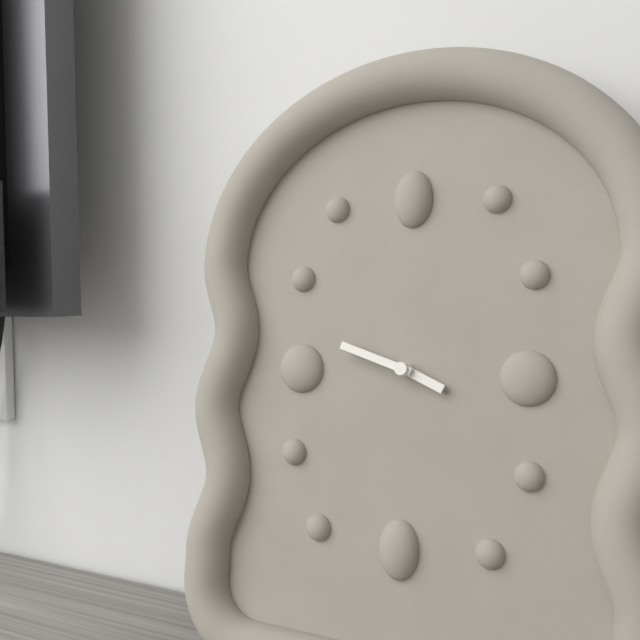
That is **3:48**
